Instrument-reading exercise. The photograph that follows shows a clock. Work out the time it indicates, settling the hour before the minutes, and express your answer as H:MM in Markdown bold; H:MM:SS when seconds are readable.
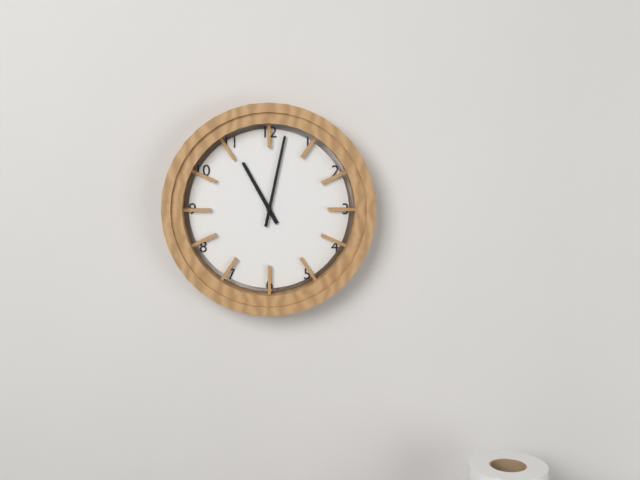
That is **11:02**
